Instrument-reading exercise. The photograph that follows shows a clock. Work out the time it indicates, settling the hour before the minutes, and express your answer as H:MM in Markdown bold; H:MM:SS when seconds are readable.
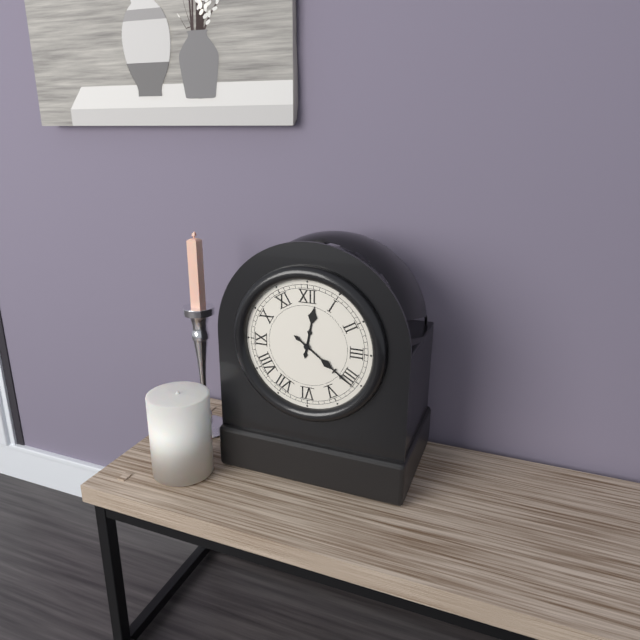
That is **12:21**
